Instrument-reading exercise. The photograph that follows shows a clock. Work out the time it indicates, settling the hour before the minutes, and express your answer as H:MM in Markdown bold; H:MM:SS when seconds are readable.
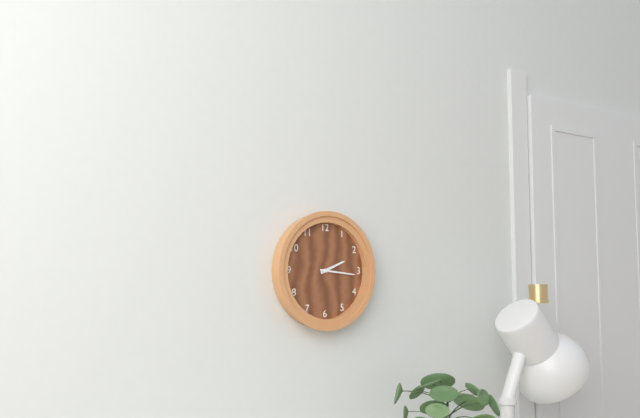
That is **2:16**
